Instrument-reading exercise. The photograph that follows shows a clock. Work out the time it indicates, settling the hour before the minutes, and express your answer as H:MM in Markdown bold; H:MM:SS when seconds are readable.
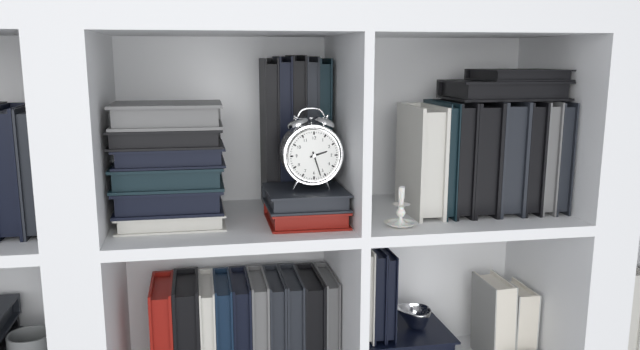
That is **2:27**
